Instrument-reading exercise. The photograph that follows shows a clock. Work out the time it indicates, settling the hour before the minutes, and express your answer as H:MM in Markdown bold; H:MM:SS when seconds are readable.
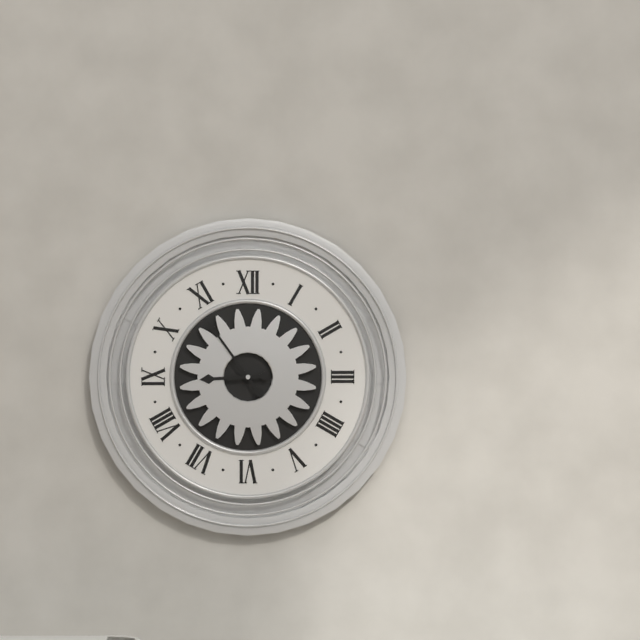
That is **8:54**
